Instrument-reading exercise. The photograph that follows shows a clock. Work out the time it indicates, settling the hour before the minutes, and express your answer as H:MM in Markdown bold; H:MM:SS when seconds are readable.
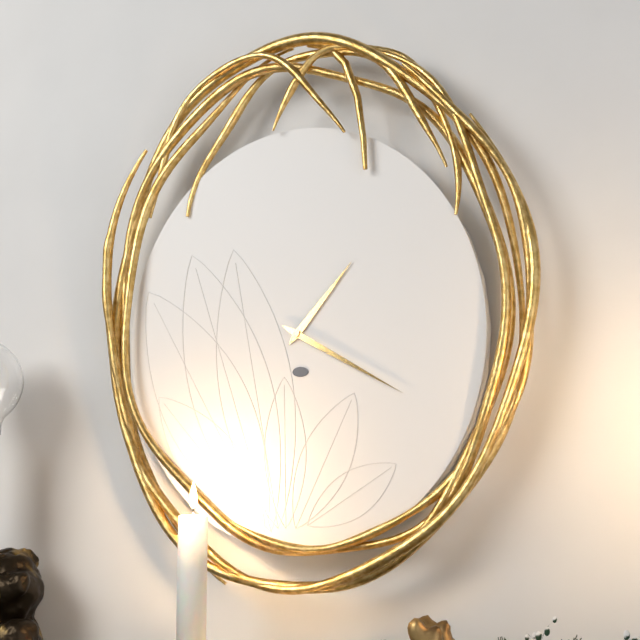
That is **1:20**
